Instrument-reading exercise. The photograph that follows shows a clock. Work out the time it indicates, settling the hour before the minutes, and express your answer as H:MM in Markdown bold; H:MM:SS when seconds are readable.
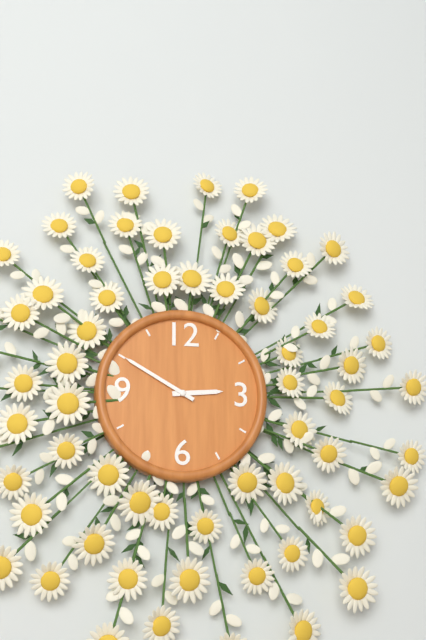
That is **2:50**
